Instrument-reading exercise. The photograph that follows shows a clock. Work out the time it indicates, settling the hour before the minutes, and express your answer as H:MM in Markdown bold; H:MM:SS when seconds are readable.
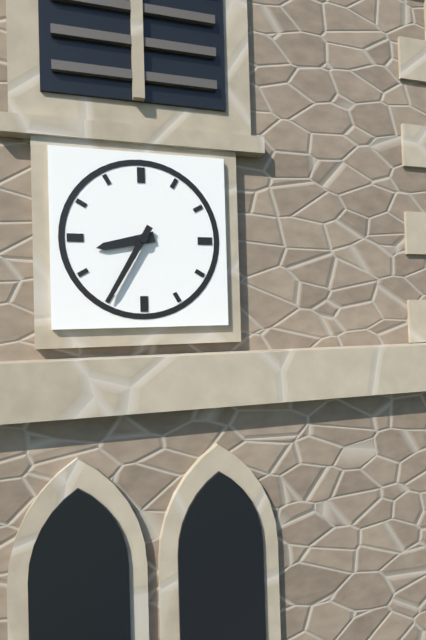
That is **8:35**
